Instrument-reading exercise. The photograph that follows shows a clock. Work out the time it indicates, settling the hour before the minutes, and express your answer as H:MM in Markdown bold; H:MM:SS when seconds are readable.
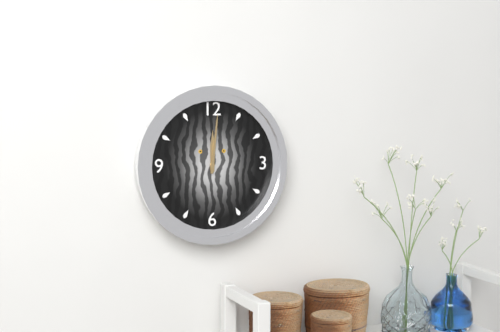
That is **12:01**
